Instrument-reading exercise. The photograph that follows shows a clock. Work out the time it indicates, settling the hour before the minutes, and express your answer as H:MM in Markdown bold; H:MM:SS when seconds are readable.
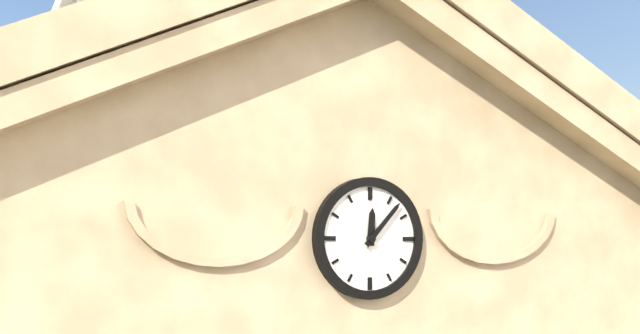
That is **12:07**
